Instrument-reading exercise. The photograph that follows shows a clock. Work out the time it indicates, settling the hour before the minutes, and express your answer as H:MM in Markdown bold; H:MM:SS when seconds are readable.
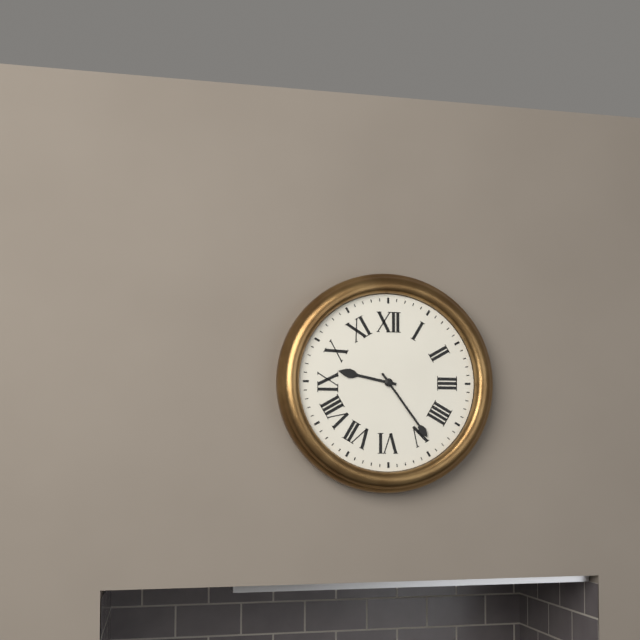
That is **9:24**
